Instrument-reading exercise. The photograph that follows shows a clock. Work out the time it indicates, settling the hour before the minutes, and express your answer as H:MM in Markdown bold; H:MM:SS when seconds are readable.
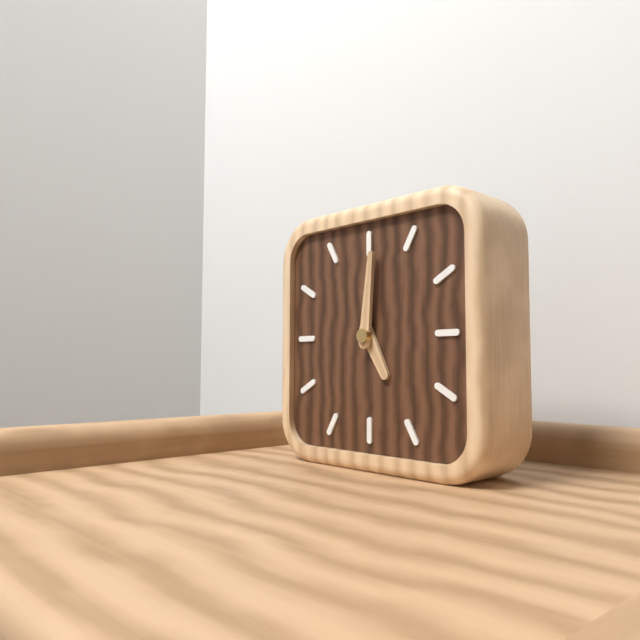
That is **5:01**
